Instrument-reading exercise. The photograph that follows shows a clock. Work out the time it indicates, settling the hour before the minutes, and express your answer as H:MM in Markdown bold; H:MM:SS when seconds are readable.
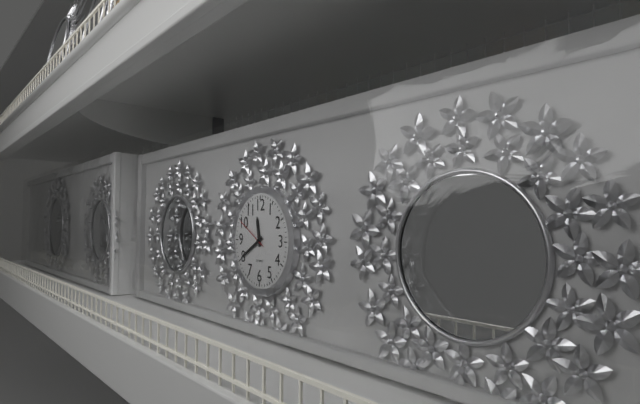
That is **11:40**
